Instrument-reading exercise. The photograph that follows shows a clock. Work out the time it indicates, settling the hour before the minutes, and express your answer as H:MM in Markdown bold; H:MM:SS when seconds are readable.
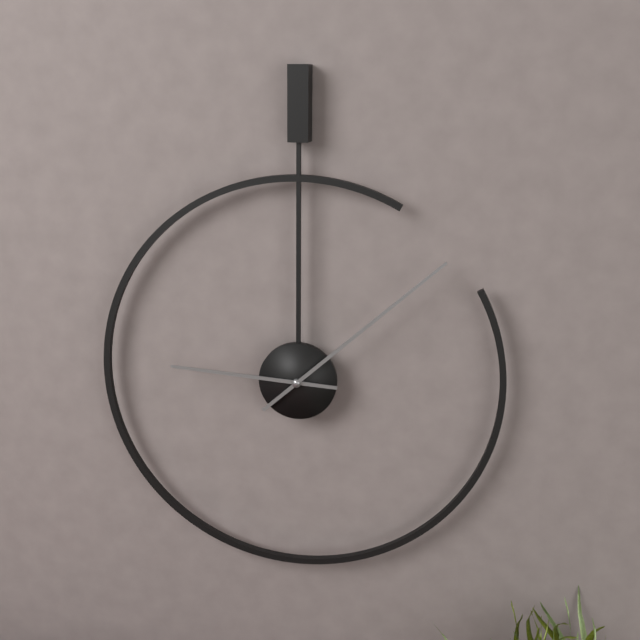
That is **9:08**
